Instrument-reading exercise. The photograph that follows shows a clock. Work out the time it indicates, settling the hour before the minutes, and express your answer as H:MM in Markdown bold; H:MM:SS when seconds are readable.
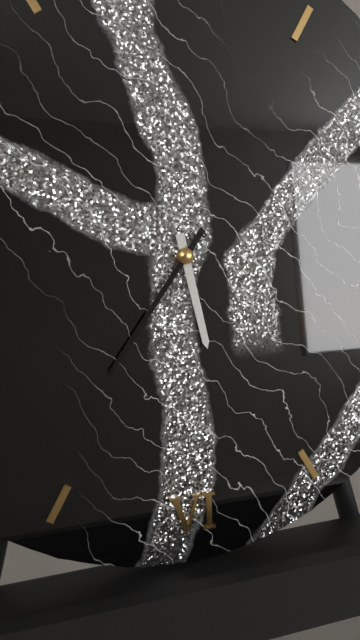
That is **5:36**
